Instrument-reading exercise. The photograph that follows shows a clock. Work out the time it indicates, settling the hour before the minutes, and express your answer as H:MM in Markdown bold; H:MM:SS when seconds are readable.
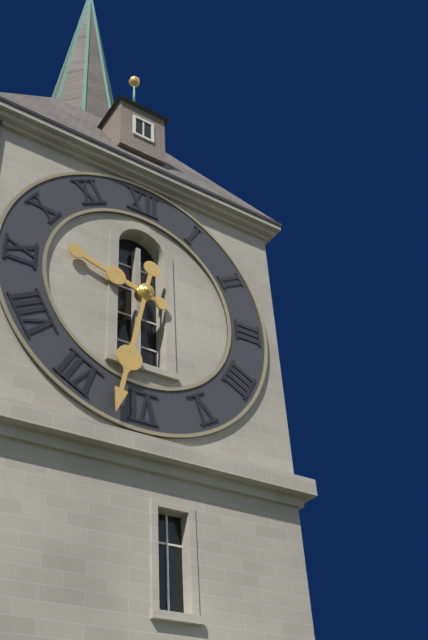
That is **9:32**
